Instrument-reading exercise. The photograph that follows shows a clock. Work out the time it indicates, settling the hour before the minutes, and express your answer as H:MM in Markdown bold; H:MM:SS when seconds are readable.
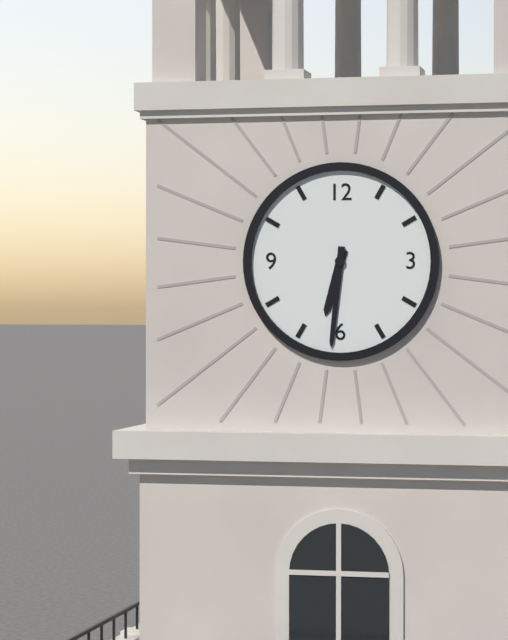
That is **6:31**
